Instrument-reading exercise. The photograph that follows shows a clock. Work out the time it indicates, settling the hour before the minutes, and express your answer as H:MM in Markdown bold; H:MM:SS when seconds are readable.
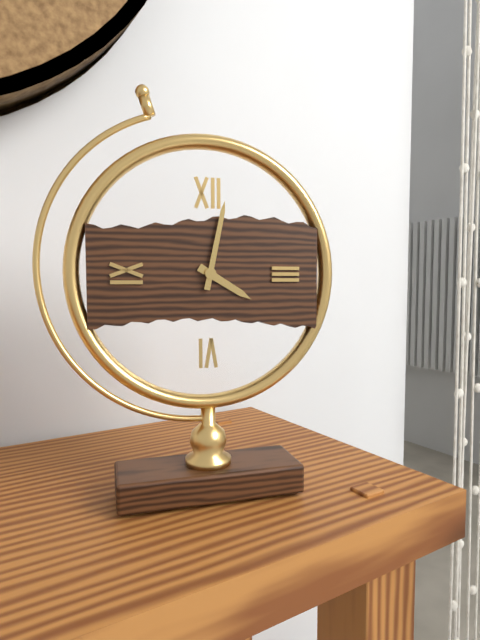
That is **4:02**
